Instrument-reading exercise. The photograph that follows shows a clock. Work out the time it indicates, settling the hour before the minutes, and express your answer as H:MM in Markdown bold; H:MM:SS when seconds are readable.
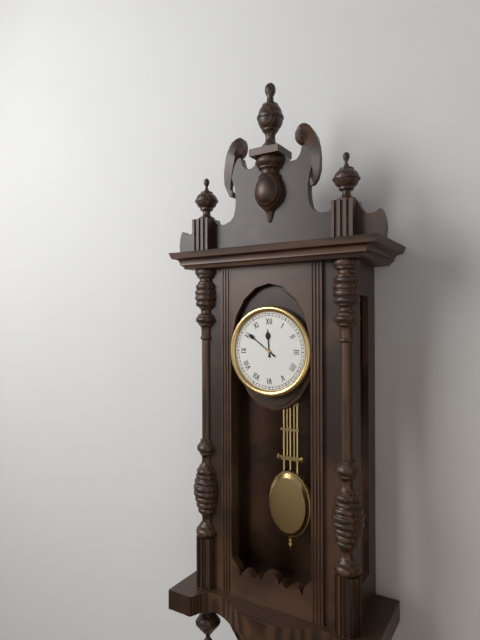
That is **11:51**
